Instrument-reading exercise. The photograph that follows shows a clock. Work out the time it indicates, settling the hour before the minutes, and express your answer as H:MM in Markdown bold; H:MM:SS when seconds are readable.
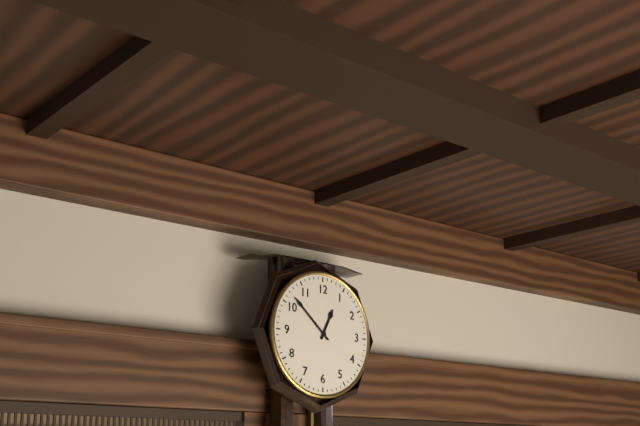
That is **12:52**
